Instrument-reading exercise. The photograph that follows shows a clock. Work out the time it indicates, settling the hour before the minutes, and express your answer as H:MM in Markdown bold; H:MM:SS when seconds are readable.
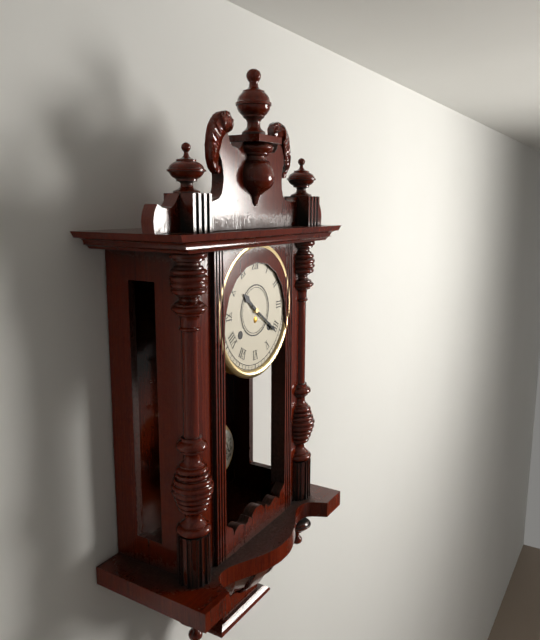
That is **10:21**
